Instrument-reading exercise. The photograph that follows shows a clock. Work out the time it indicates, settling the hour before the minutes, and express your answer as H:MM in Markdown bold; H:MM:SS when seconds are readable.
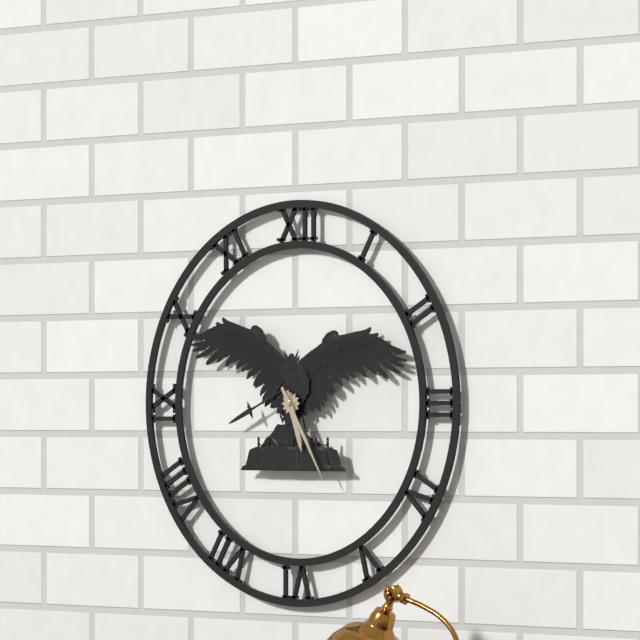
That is **5:25**
